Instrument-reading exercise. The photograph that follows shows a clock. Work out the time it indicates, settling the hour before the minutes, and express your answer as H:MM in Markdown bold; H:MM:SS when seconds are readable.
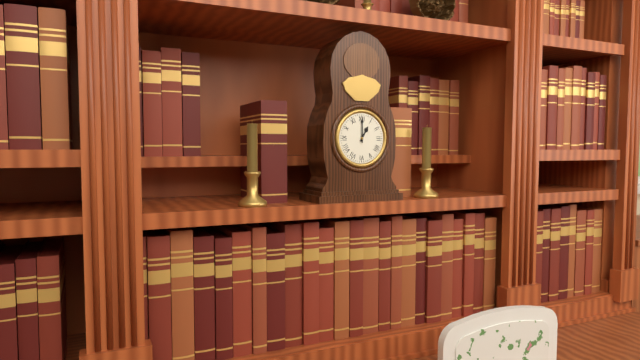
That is **1:00**
